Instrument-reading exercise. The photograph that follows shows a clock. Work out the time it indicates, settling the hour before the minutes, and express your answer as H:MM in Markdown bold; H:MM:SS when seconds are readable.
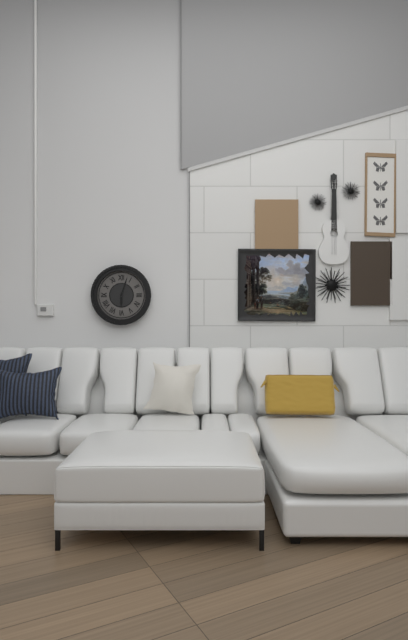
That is **6:03**
